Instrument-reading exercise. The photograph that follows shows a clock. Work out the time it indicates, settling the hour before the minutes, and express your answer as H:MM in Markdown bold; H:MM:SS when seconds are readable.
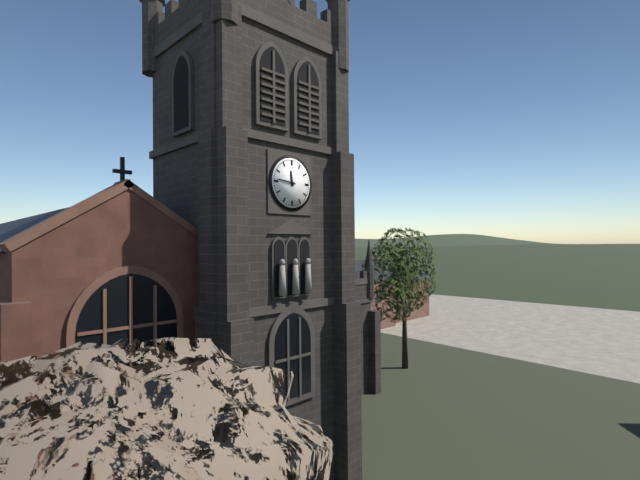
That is **11:46**
